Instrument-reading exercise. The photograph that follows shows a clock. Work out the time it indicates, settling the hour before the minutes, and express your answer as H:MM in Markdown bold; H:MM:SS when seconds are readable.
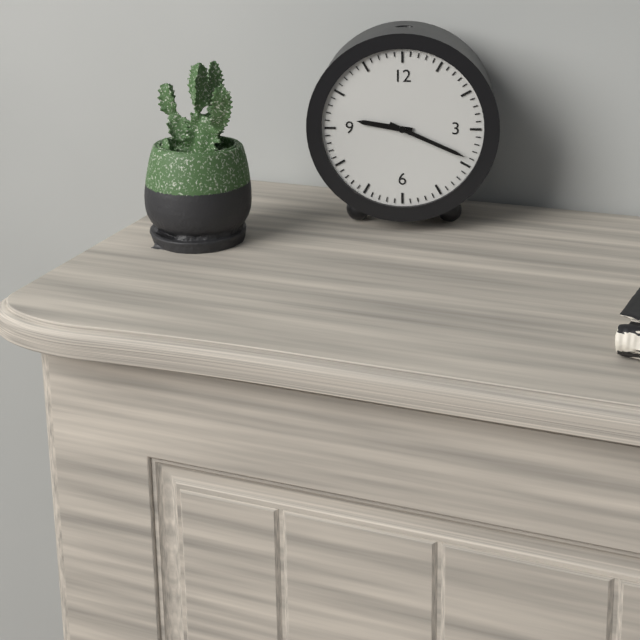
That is **9:19**
